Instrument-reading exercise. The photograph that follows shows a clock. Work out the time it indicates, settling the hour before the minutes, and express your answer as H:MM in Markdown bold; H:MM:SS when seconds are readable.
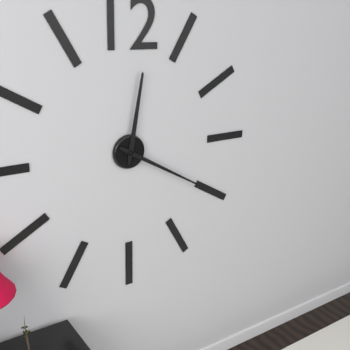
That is **12:20**
